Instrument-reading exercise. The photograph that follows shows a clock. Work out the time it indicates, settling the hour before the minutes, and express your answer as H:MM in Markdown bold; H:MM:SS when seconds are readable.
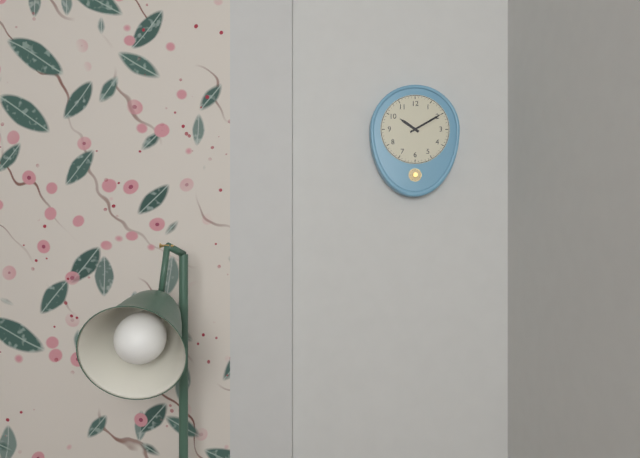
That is **10:10**
